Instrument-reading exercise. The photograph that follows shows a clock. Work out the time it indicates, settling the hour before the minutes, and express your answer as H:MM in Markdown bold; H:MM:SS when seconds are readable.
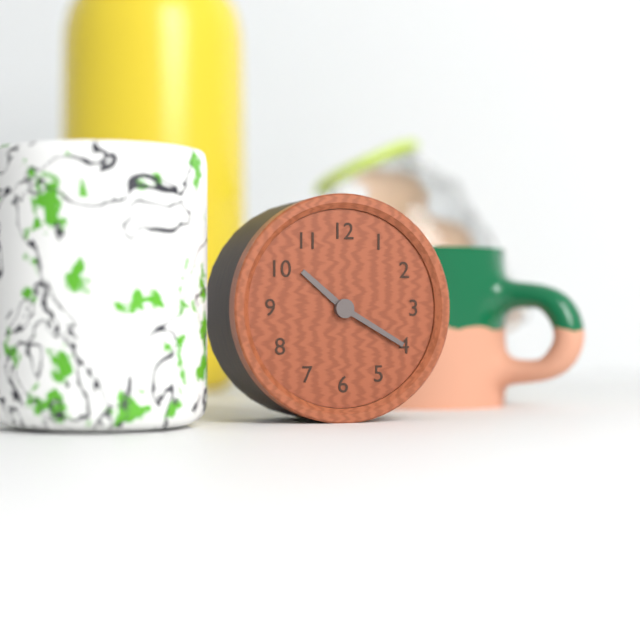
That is **10:20**
